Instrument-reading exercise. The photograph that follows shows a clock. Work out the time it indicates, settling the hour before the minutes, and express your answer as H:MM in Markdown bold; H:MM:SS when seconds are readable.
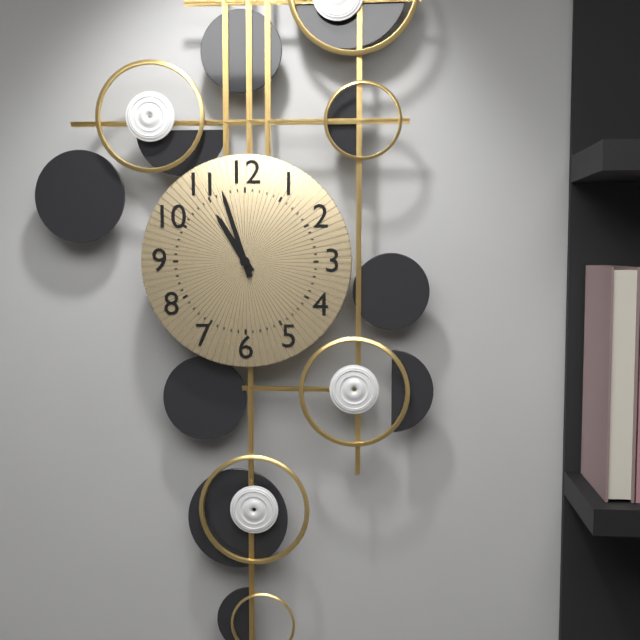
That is **10:57**
